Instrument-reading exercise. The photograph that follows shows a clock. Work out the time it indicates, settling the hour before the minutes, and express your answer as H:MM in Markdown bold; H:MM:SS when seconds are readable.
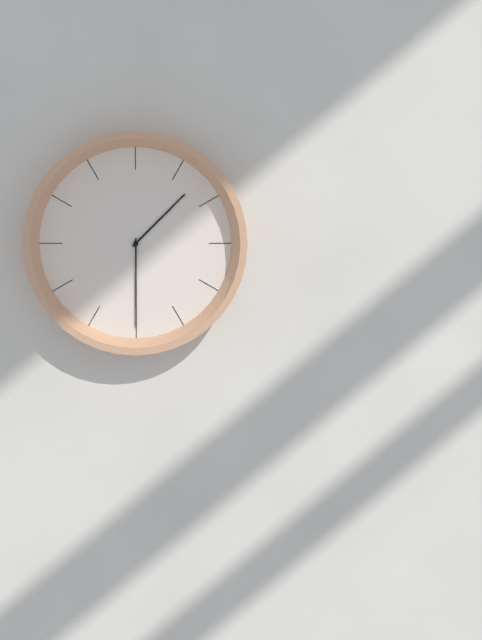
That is **1:30**
